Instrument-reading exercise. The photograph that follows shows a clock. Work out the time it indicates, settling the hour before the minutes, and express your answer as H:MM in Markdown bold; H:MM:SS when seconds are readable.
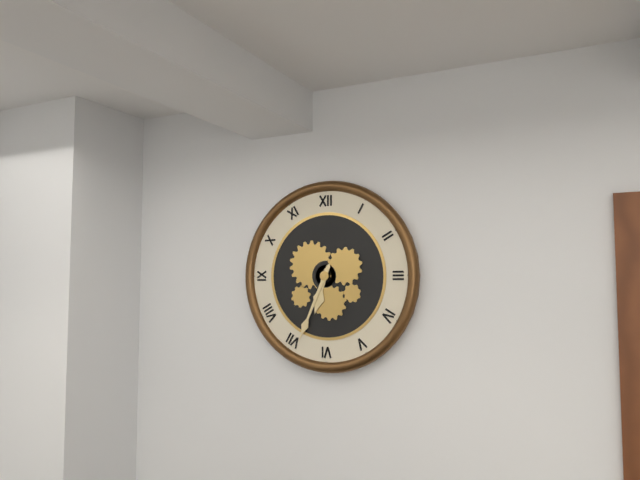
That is **6:34**
